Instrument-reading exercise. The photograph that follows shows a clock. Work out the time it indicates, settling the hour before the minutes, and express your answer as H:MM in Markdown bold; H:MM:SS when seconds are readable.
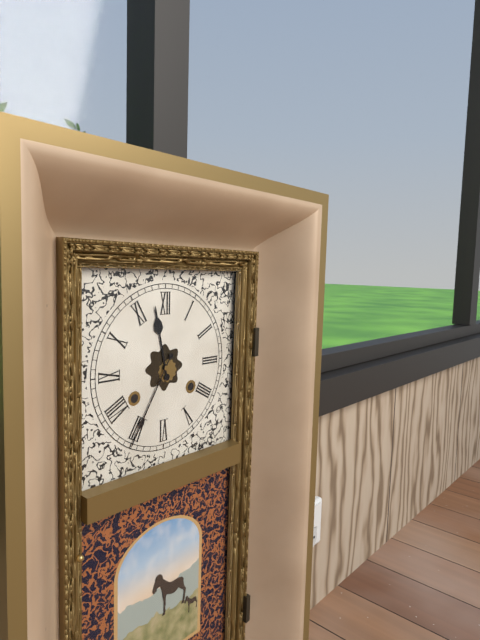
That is **11:35**
